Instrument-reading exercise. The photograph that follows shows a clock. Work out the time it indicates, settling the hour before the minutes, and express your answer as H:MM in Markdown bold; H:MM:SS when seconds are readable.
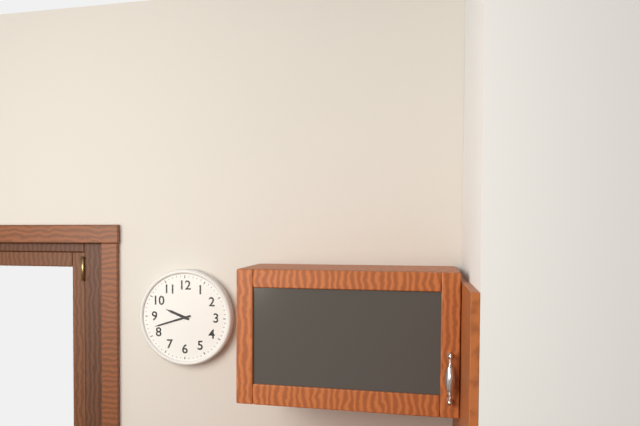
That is **9:42**
